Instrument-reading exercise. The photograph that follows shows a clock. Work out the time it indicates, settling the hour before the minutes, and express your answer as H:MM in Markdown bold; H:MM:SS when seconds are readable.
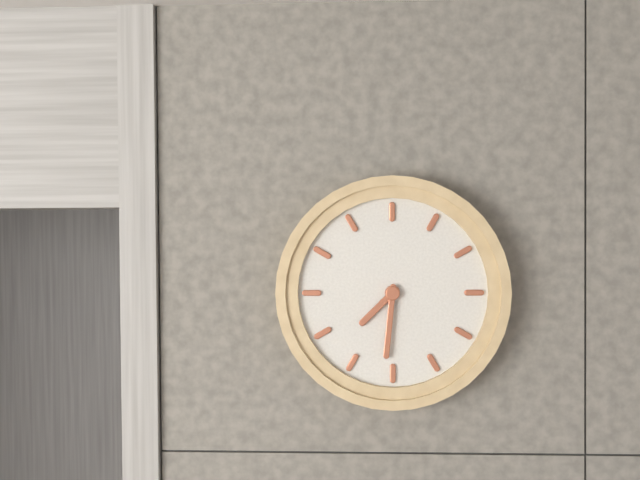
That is **7:31**
